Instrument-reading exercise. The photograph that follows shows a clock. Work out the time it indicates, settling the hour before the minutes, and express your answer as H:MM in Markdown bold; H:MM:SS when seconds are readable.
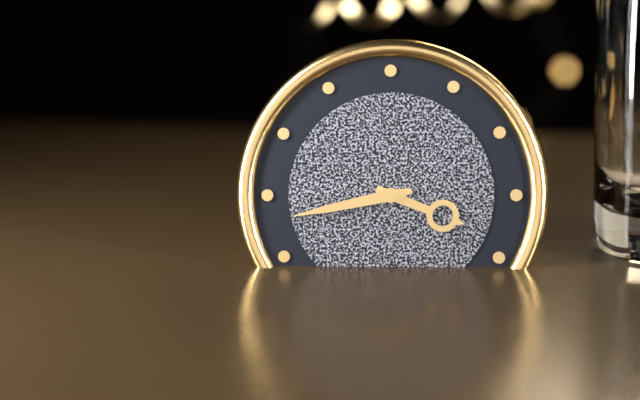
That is **3:43**
